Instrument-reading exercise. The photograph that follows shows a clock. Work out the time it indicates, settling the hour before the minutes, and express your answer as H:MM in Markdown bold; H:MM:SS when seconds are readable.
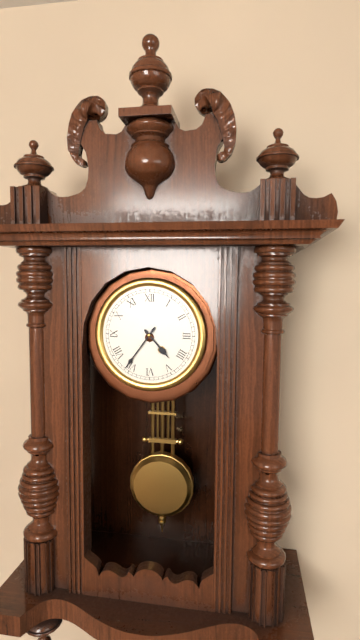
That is **4:36**
